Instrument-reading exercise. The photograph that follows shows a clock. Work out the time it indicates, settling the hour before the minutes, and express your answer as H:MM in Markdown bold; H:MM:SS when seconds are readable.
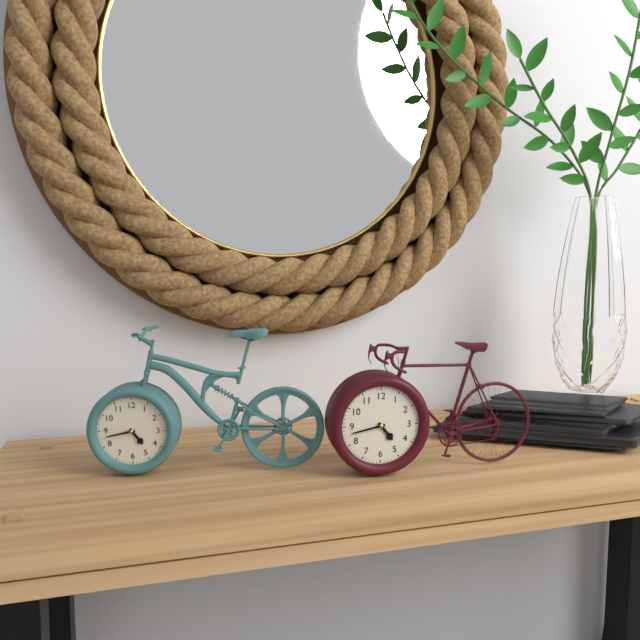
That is **4:43**
